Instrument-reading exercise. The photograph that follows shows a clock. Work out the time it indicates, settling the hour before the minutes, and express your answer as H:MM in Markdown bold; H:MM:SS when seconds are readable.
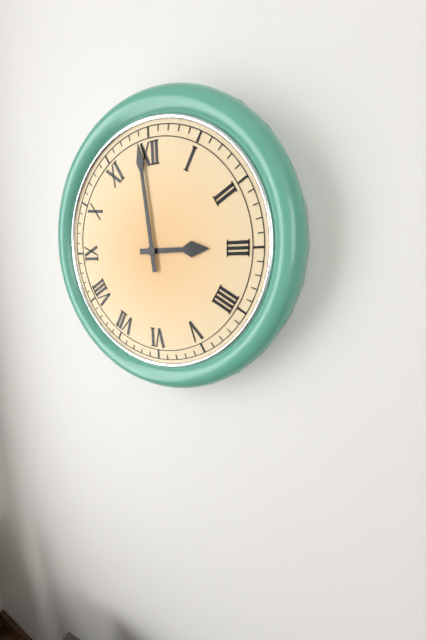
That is **2:59**
